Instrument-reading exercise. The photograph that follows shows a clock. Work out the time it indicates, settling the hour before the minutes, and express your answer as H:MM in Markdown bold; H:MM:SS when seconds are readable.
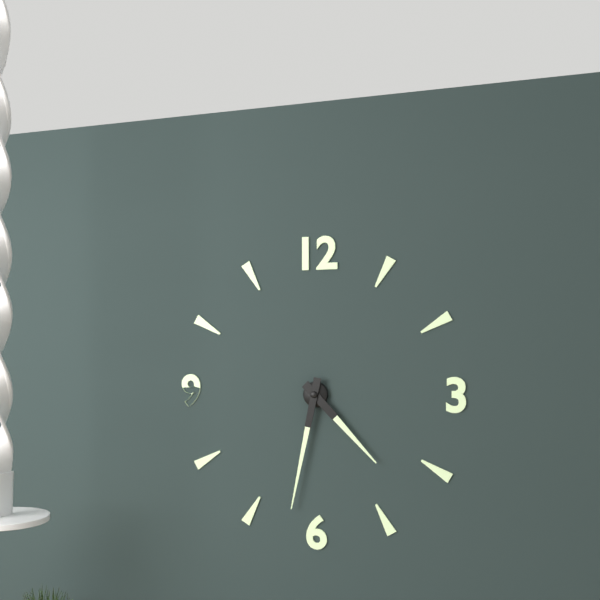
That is **4:32**
